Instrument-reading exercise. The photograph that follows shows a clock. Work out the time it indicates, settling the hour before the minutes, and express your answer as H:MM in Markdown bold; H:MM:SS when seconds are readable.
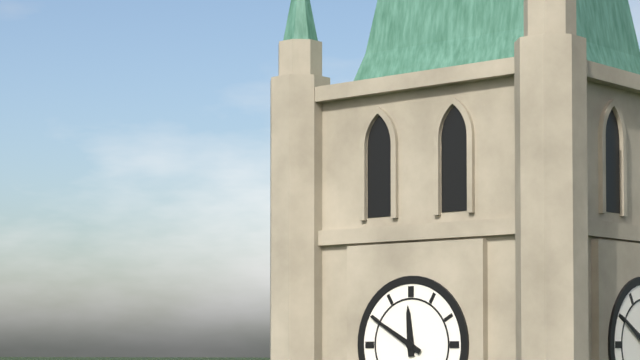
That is **11:50**
